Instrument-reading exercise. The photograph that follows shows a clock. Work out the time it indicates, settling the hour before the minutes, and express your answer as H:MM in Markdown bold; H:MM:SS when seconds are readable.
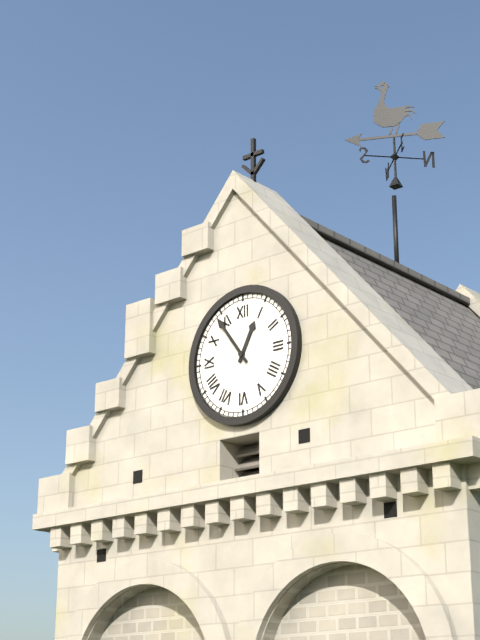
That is **12:54**
